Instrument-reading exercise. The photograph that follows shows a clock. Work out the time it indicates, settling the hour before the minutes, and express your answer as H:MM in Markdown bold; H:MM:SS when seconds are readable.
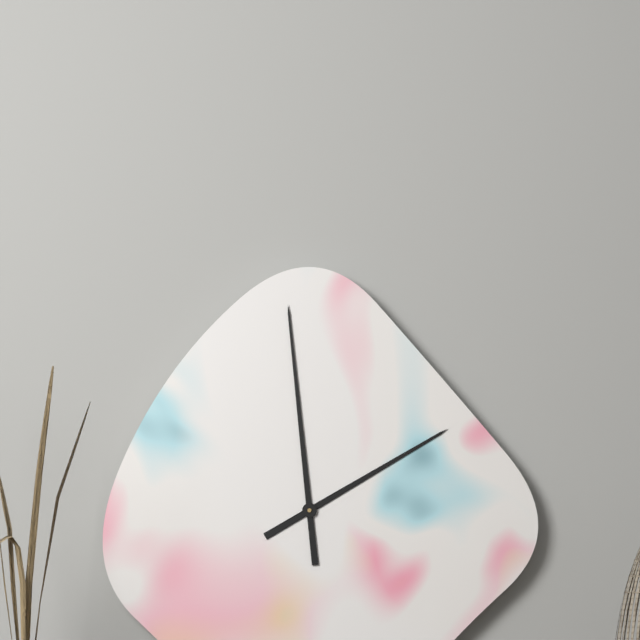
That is **1:59**
